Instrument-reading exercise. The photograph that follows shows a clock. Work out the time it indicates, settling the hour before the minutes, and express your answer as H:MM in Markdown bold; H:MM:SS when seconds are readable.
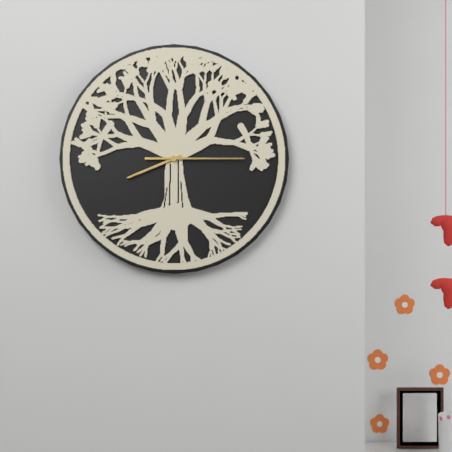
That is **8:15**
